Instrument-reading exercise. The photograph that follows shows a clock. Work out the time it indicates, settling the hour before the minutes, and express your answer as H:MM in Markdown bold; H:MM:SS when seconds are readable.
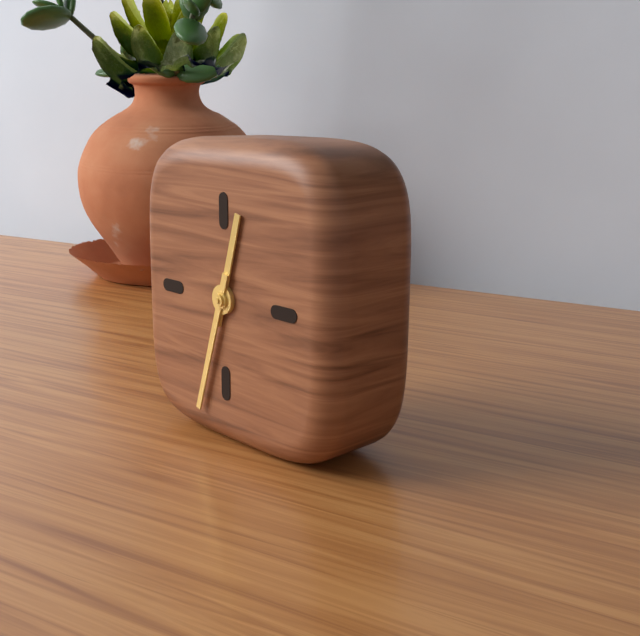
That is **12:33**
